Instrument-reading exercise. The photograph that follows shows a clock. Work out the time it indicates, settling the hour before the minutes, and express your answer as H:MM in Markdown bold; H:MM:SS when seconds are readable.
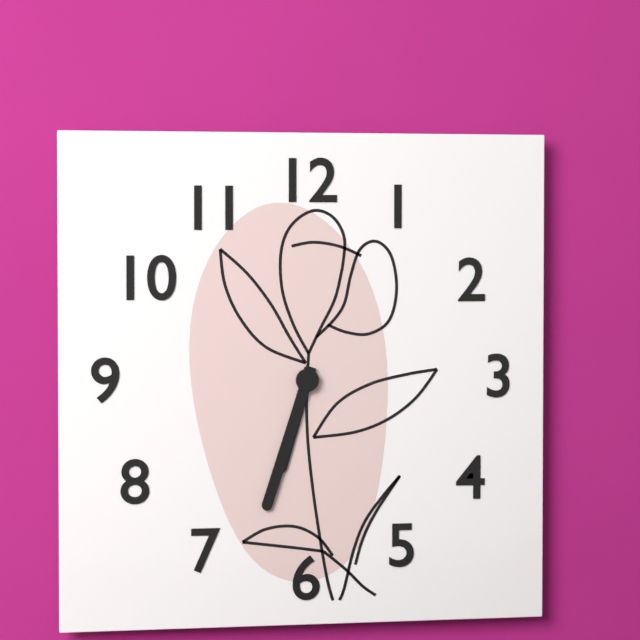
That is **6:33**
